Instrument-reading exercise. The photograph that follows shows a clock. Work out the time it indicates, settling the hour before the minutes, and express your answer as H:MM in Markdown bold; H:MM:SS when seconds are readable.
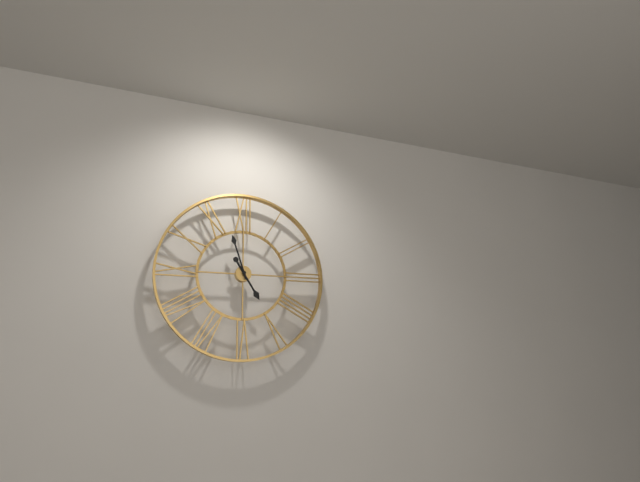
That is **4:57**
